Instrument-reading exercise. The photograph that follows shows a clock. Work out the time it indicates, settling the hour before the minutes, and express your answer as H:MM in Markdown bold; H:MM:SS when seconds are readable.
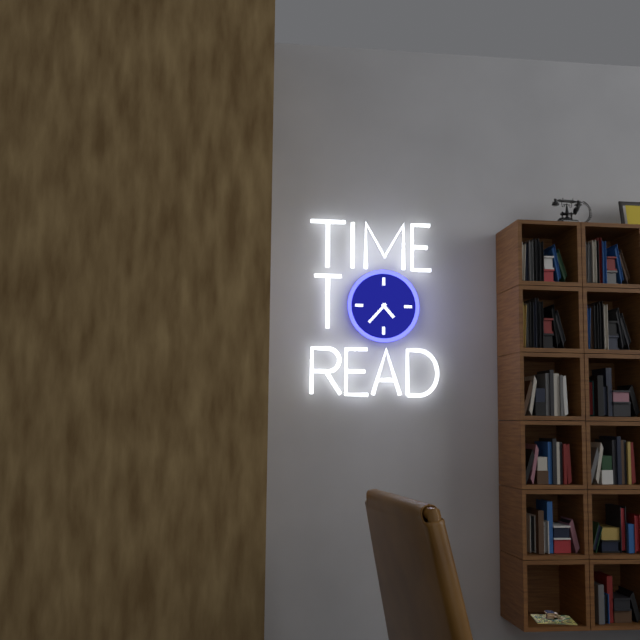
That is **4:37**
